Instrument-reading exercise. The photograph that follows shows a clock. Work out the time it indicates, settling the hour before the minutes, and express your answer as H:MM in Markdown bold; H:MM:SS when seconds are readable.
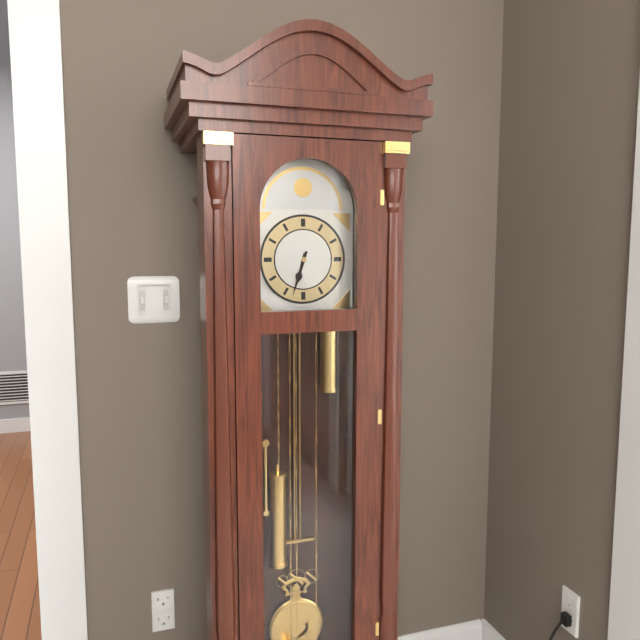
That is **6:33**
